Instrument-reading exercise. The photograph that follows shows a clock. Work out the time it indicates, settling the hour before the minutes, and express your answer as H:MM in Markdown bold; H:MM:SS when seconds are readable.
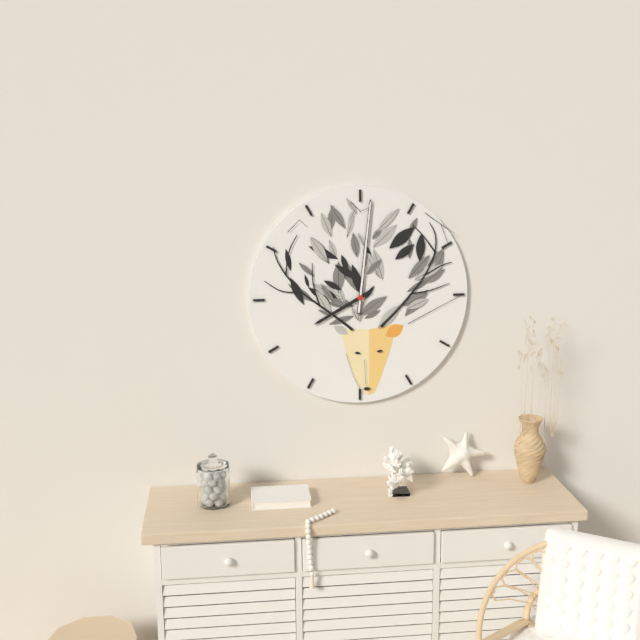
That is **8:01**
